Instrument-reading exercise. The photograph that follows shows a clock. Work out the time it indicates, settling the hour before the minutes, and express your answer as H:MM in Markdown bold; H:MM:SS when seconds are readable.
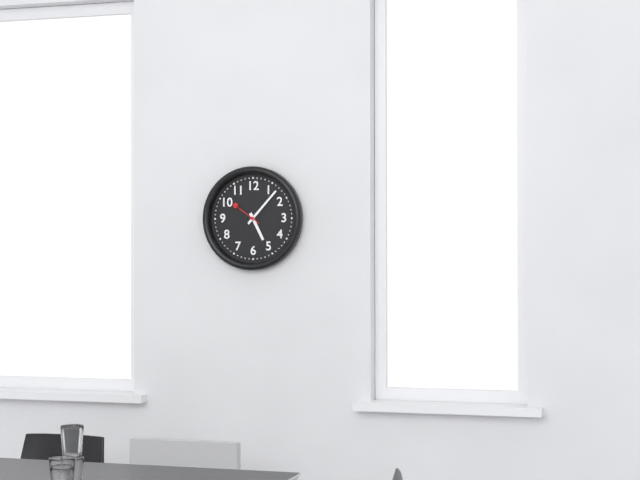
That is **5:07**
